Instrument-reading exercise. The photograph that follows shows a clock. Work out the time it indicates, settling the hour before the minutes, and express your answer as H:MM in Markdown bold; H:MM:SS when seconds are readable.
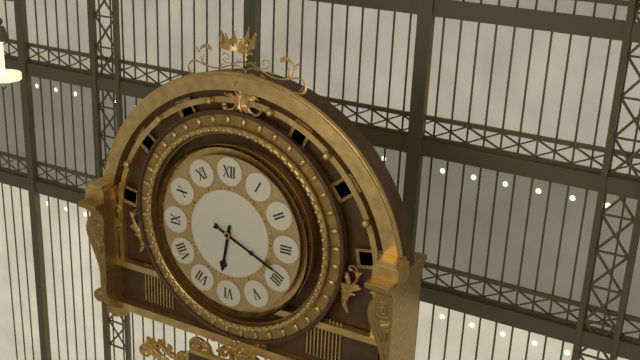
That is **6:19**
